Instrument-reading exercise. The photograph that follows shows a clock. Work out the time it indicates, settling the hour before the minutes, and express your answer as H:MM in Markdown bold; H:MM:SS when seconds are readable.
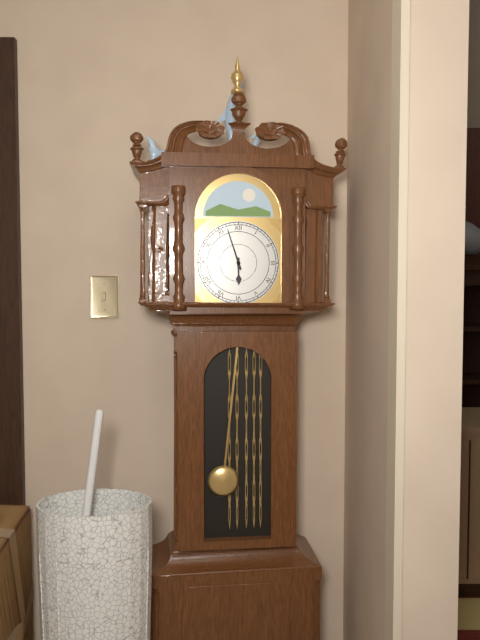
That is **5:57**
